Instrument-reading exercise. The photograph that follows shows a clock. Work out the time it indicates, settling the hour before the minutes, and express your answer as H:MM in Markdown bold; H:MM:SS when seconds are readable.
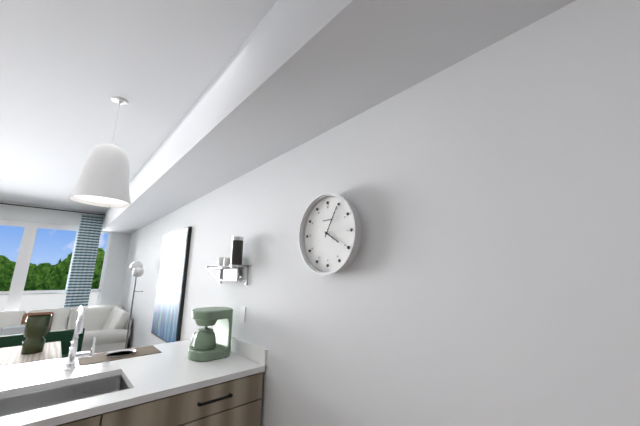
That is **4:05**
